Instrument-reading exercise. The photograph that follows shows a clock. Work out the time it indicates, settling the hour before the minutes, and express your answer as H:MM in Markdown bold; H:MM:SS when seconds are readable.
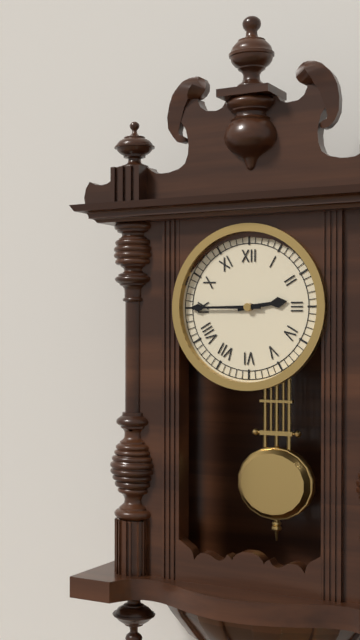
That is **2:45**
